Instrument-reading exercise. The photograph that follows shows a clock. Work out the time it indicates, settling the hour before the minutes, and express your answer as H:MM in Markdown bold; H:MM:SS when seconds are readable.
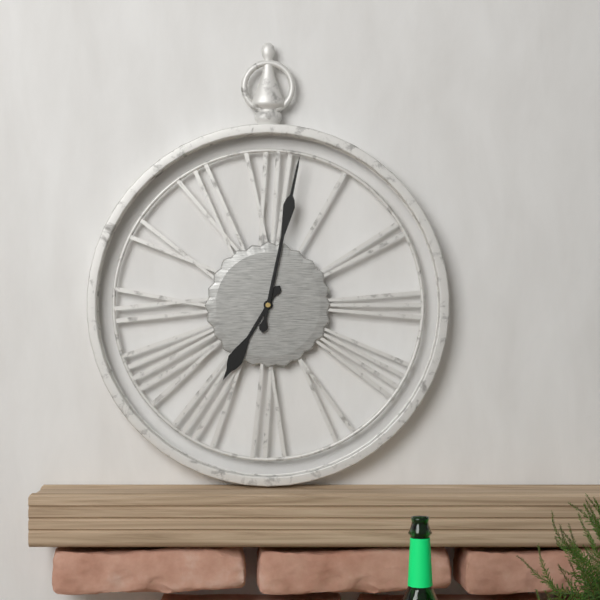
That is **7:02**
